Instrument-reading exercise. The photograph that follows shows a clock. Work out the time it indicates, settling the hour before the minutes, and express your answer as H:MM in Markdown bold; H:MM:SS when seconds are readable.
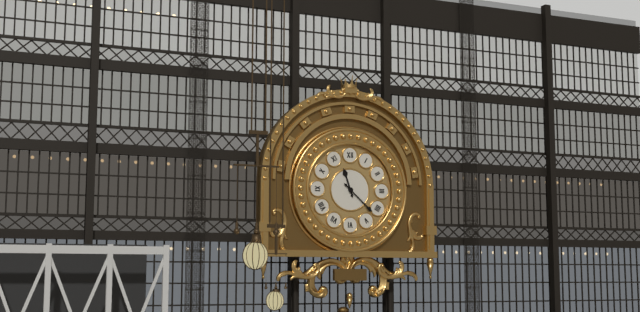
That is **11:22**
